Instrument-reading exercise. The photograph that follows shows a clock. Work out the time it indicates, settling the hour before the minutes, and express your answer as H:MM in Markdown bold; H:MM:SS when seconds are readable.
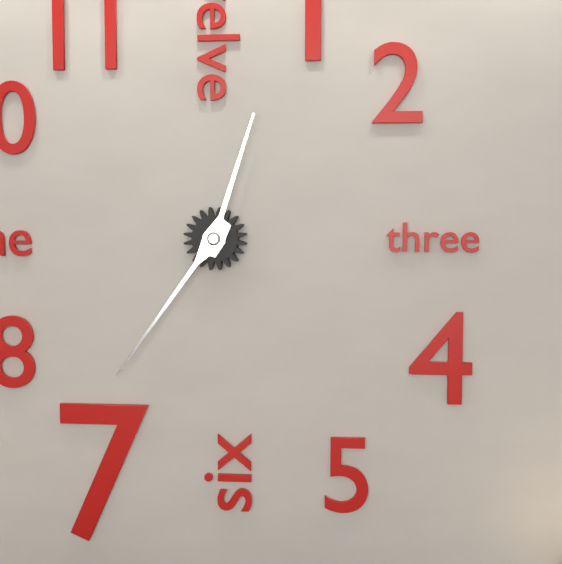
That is **12:36**
